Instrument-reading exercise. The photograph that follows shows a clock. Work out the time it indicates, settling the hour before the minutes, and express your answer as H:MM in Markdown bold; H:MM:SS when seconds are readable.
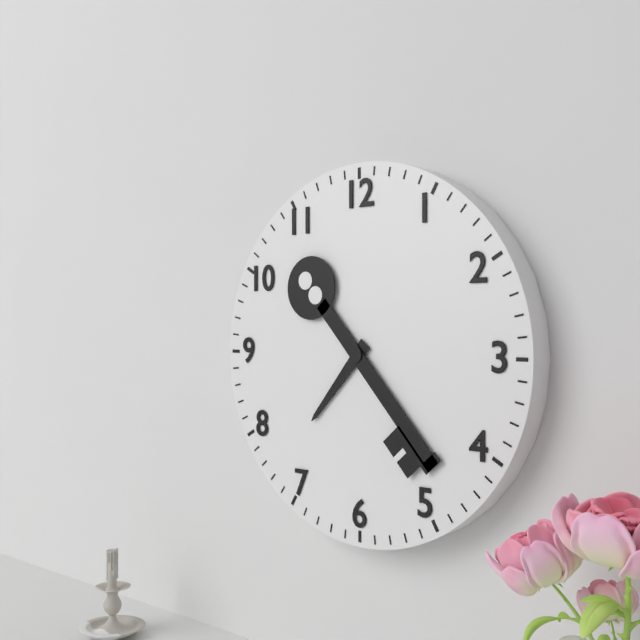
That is **7:23**
